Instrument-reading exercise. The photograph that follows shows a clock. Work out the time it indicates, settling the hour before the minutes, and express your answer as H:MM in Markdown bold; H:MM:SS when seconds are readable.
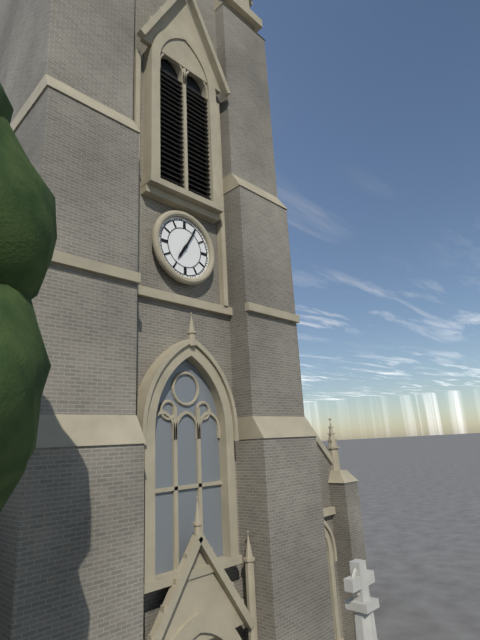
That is **7:05**
